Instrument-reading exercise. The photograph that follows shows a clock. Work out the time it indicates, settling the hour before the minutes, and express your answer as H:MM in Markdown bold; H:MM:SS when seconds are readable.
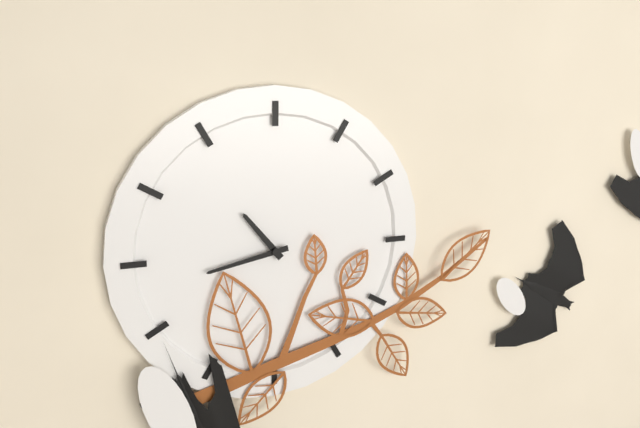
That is **10:43**
